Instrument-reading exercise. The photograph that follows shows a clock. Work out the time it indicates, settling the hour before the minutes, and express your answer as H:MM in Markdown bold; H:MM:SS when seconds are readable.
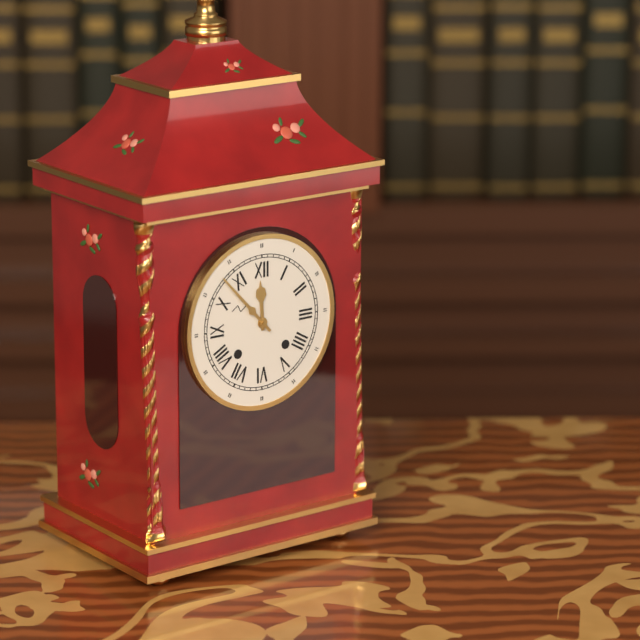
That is **11:53**
